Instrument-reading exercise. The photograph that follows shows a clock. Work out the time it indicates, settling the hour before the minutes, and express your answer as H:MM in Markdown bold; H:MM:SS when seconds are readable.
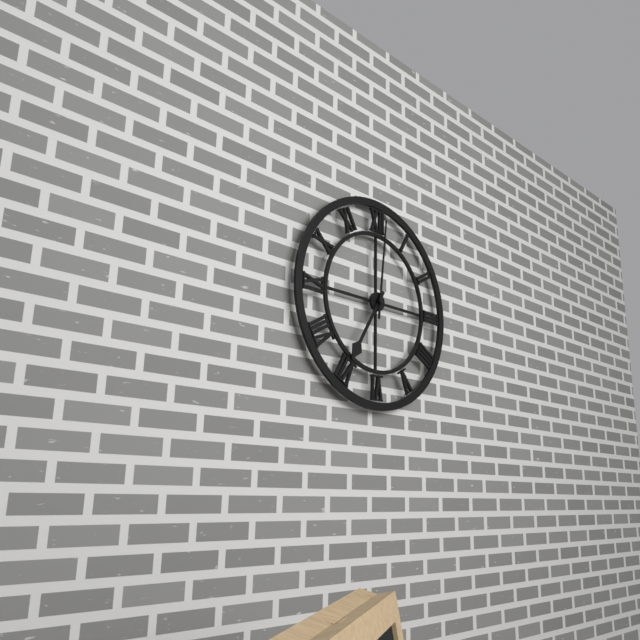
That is **7:01**
